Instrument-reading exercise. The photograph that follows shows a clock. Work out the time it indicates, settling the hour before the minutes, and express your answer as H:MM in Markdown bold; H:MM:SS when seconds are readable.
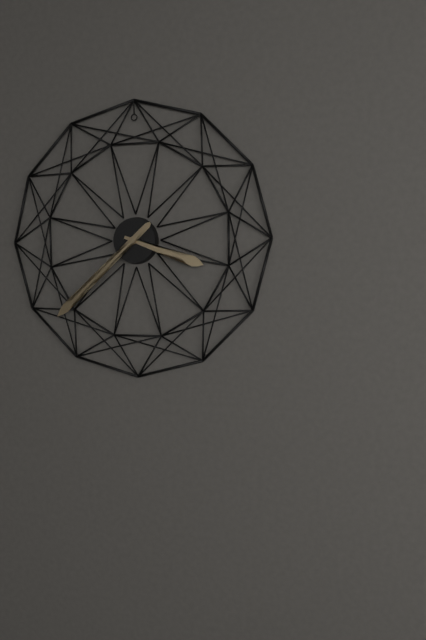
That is **3:38**
